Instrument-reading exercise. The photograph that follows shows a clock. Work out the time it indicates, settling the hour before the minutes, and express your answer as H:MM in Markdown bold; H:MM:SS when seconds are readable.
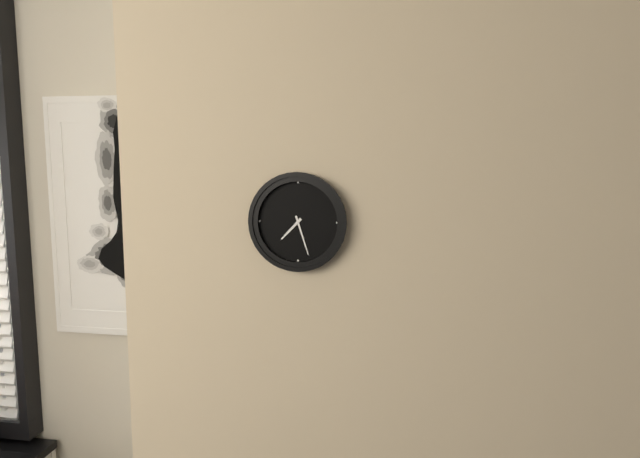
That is **7:27**
